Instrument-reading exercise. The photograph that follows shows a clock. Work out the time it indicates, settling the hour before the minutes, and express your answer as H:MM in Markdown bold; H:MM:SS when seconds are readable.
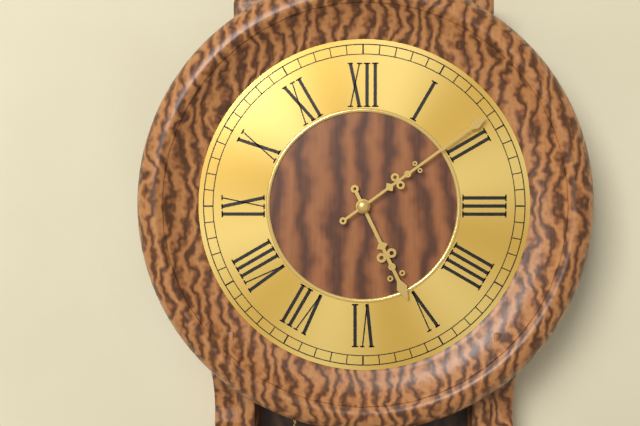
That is **5:09**
